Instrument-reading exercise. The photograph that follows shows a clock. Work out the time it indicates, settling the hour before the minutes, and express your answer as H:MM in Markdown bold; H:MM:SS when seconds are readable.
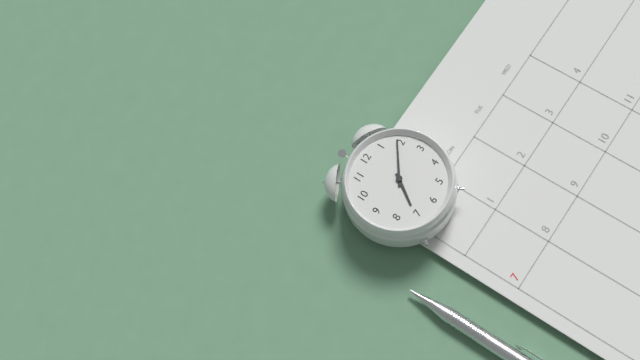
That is **7:09**
